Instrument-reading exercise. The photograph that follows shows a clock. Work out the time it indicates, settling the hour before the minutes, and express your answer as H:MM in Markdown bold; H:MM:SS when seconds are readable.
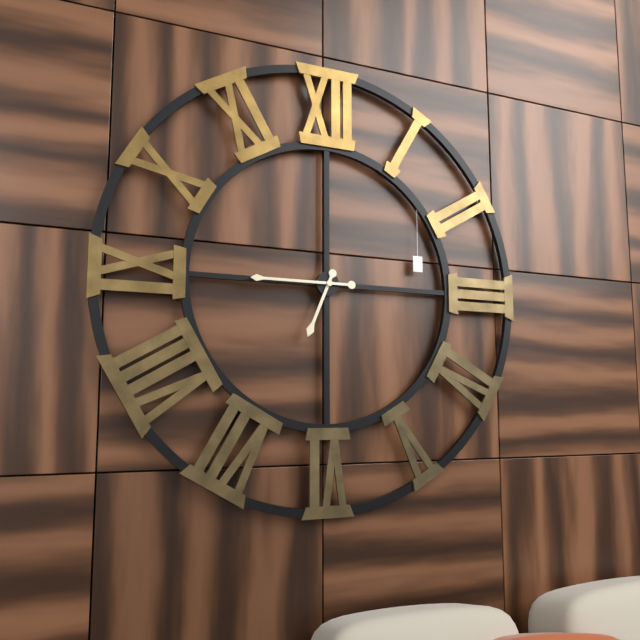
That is **6:45**
